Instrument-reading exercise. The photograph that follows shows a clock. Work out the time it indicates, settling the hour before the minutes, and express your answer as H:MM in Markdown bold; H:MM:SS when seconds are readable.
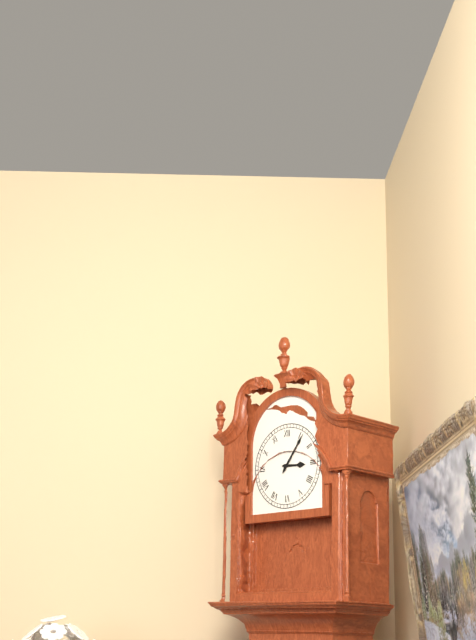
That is **3:06**
